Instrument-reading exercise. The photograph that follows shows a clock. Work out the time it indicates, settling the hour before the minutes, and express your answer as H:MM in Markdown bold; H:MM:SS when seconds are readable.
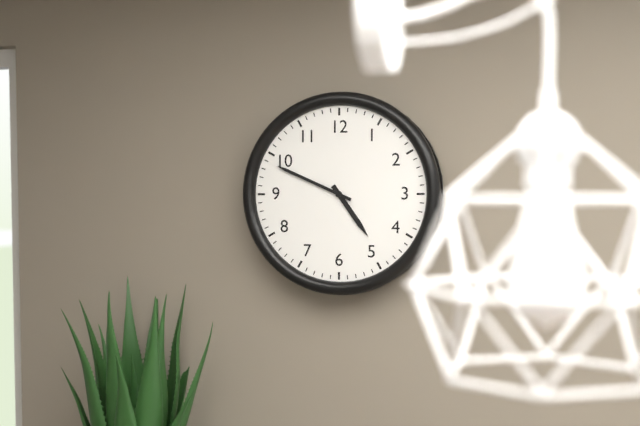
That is **4:49**
